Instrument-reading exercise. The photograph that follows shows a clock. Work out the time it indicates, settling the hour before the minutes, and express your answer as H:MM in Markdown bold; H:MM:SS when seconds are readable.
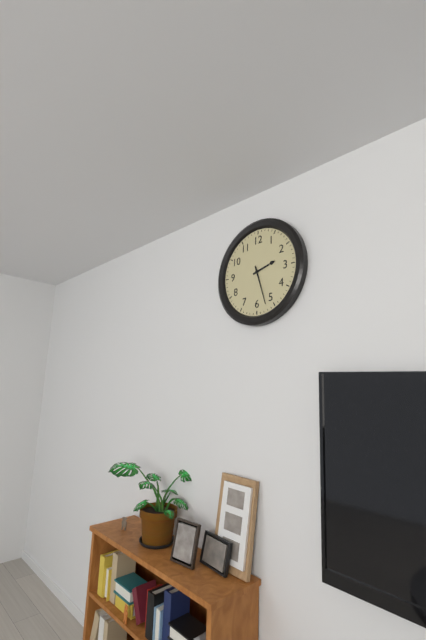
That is **2:27**
